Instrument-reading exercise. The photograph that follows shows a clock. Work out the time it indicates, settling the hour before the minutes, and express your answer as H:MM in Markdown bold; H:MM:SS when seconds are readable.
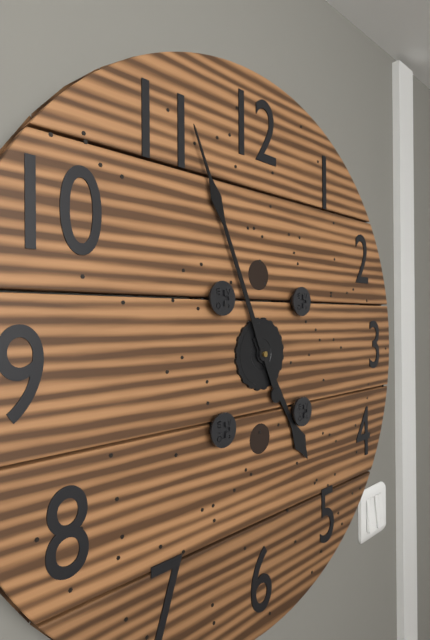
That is **4:56**
